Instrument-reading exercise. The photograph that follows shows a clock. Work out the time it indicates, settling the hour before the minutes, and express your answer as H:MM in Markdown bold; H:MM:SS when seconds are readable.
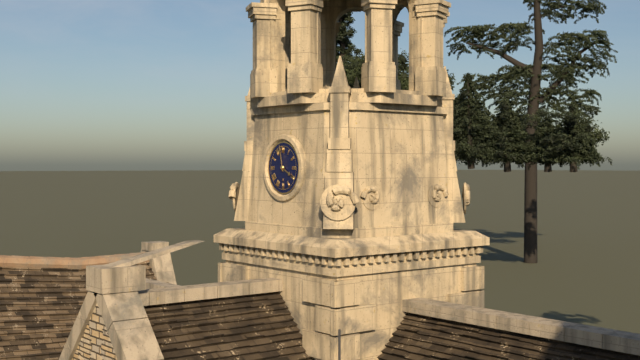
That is **3:58**
